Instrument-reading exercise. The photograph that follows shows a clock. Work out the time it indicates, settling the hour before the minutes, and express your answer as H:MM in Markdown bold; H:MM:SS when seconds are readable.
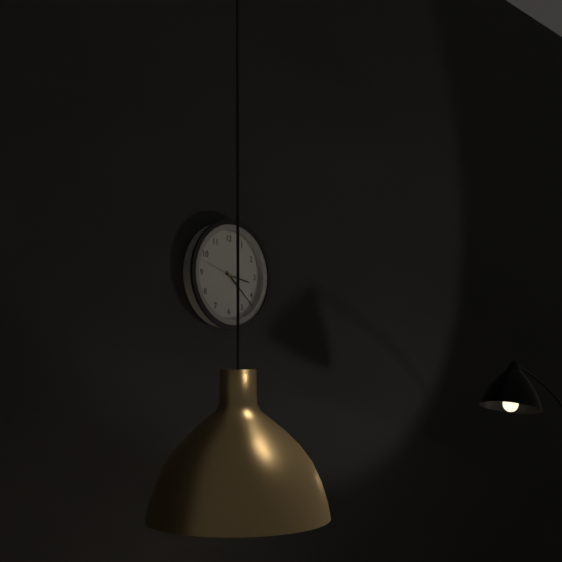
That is **3:22**
